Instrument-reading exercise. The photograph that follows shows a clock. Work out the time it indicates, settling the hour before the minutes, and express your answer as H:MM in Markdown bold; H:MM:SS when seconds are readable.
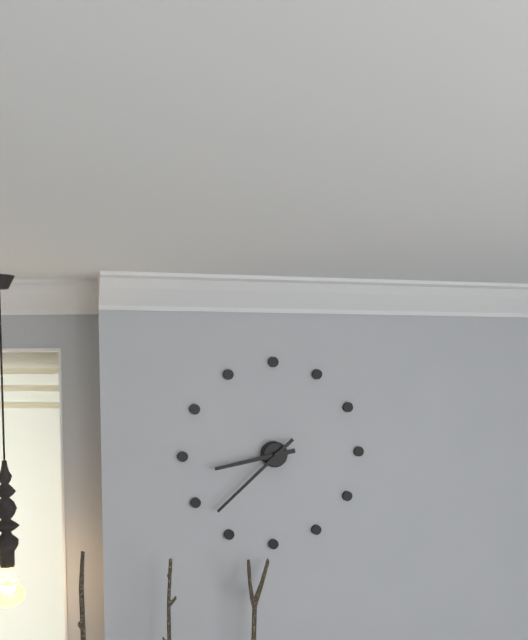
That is **8:38**
